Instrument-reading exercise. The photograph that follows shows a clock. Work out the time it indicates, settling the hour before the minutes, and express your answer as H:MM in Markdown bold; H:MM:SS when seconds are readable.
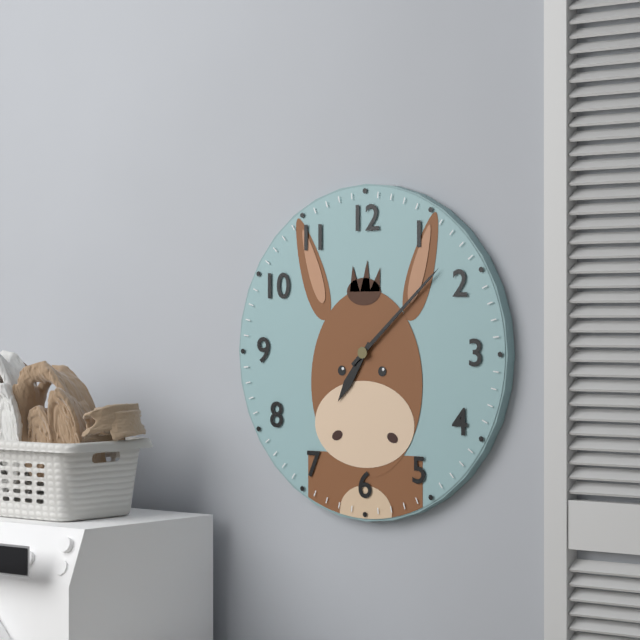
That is **7:08**
